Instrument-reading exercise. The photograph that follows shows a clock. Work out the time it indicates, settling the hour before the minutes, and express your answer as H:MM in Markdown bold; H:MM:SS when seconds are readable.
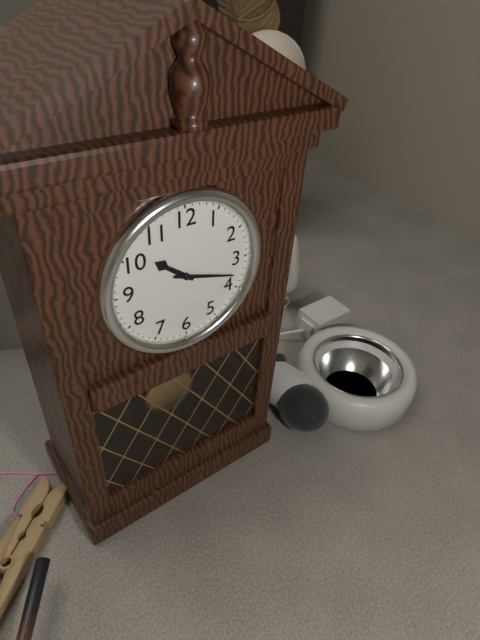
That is **10:18**
